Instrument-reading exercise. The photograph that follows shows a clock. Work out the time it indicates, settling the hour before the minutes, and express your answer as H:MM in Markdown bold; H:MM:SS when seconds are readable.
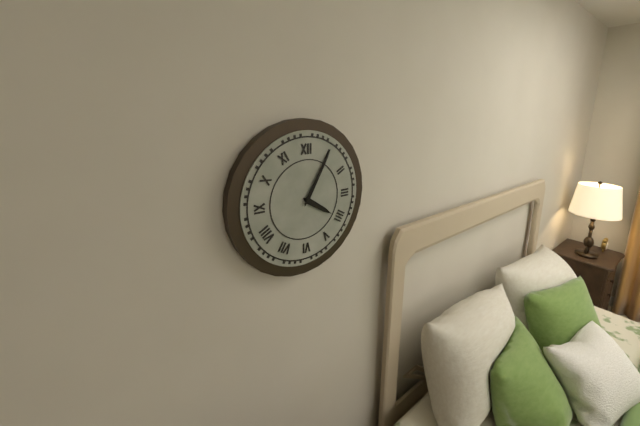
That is **4:05**
